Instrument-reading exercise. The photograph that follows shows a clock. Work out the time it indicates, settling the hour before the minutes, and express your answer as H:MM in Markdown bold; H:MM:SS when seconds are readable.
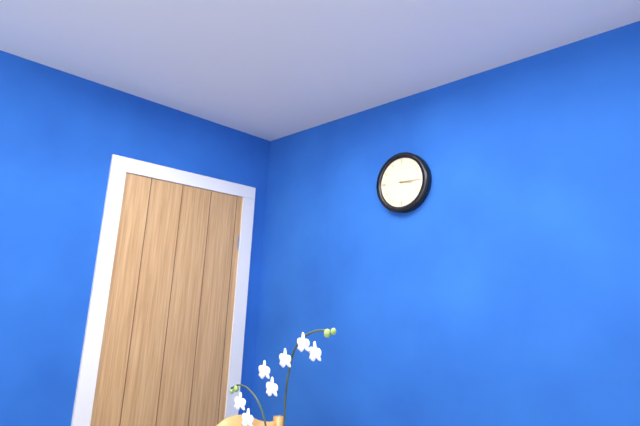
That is **3:15**
